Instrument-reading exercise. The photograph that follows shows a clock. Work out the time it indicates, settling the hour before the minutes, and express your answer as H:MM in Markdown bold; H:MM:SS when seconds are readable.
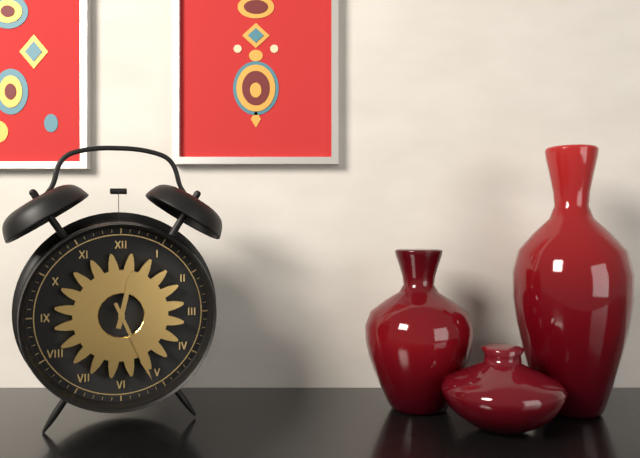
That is **12:26**
